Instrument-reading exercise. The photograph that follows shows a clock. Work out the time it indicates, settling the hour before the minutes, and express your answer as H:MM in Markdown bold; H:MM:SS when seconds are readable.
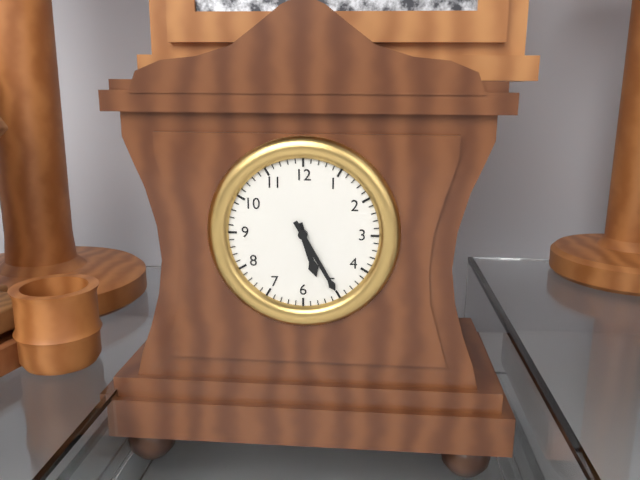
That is **5:25**
